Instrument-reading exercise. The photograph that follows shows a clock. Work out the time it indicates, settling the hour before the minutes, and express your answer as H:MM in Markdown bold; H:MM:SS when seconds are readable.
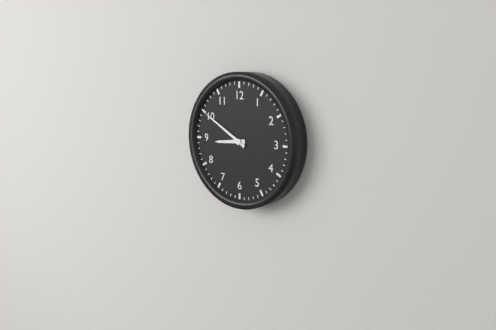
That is **8:50**
